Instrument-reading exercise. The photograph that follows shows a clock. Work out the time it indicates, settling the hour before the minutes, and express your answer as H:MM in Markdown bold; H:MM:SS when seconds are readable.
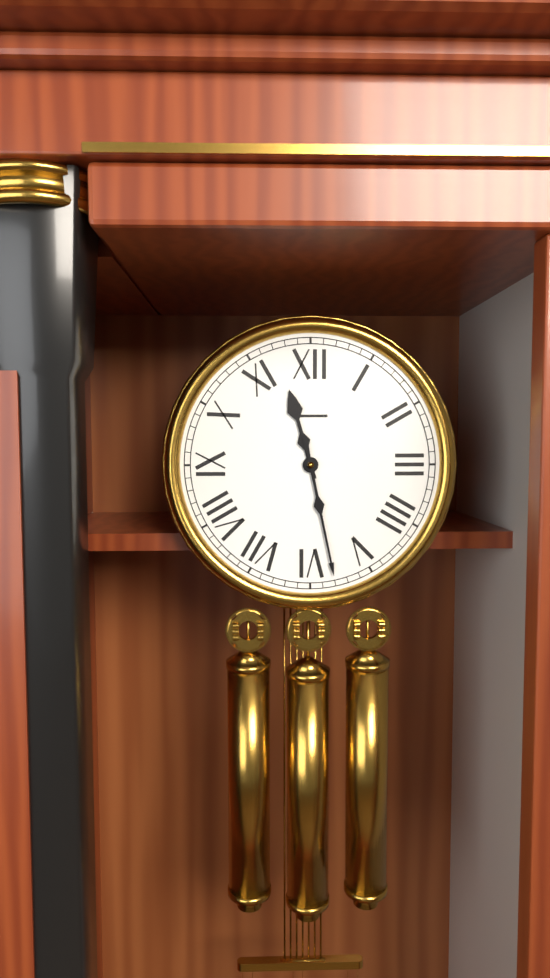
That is **11:28**
